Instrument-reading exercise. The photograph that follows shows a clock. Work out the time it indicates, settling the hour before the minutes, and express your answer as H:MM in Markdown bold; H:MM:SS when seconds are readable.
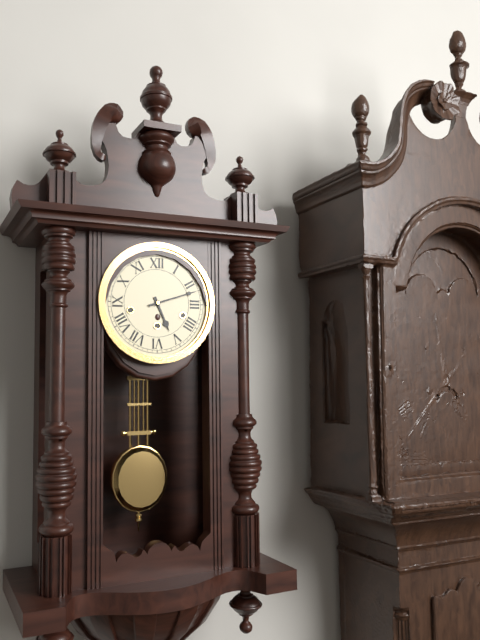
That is **5:12**
